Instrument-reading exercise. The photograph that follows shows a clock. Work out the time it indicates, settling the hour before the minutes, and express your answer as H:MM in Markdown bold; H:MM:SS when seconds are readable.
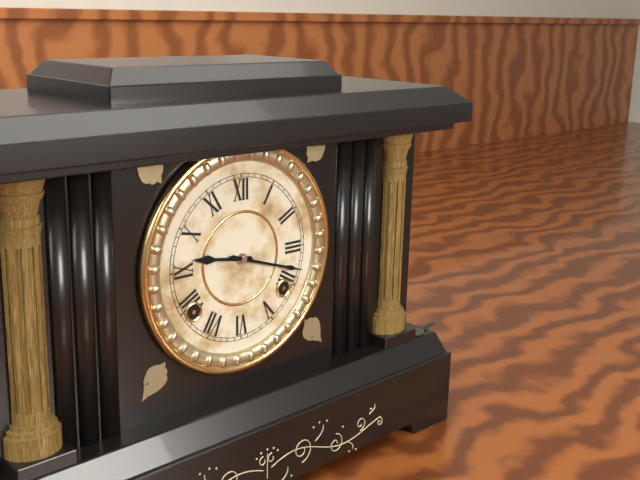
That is **9:18**
